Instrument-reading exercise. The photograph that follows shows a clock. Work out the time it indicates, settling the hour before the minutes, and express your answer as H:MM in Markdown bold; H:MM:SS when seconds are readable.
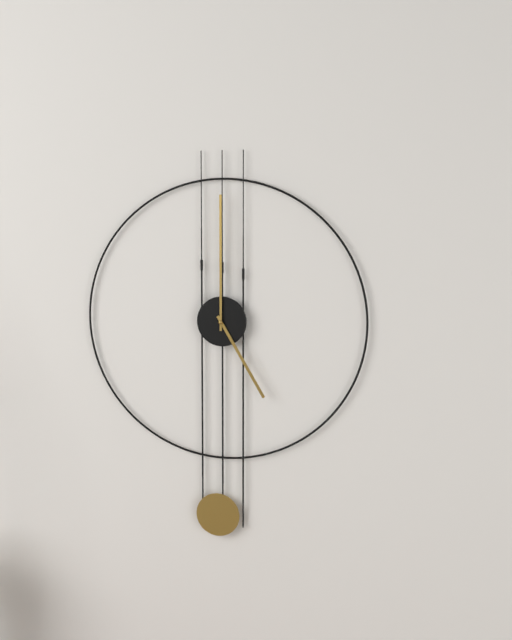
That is **5:00**
